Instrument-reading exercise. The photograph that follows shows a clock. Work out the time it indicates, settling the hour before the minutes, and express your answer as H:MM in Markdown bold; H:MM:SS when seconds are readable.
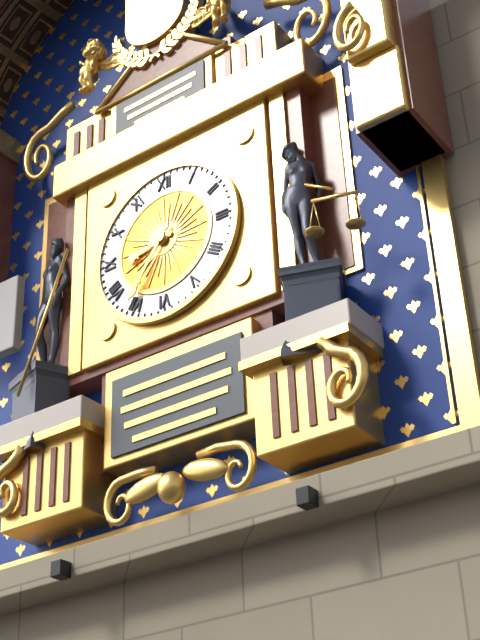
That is **8:36**
